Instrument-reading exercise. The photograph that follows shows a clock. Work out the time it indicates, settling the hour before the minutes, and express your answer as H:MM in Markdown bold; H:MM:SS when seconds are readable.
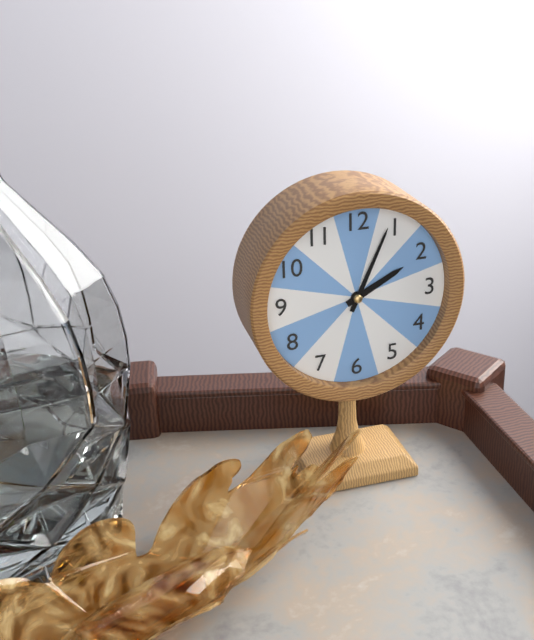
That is **2:04**
